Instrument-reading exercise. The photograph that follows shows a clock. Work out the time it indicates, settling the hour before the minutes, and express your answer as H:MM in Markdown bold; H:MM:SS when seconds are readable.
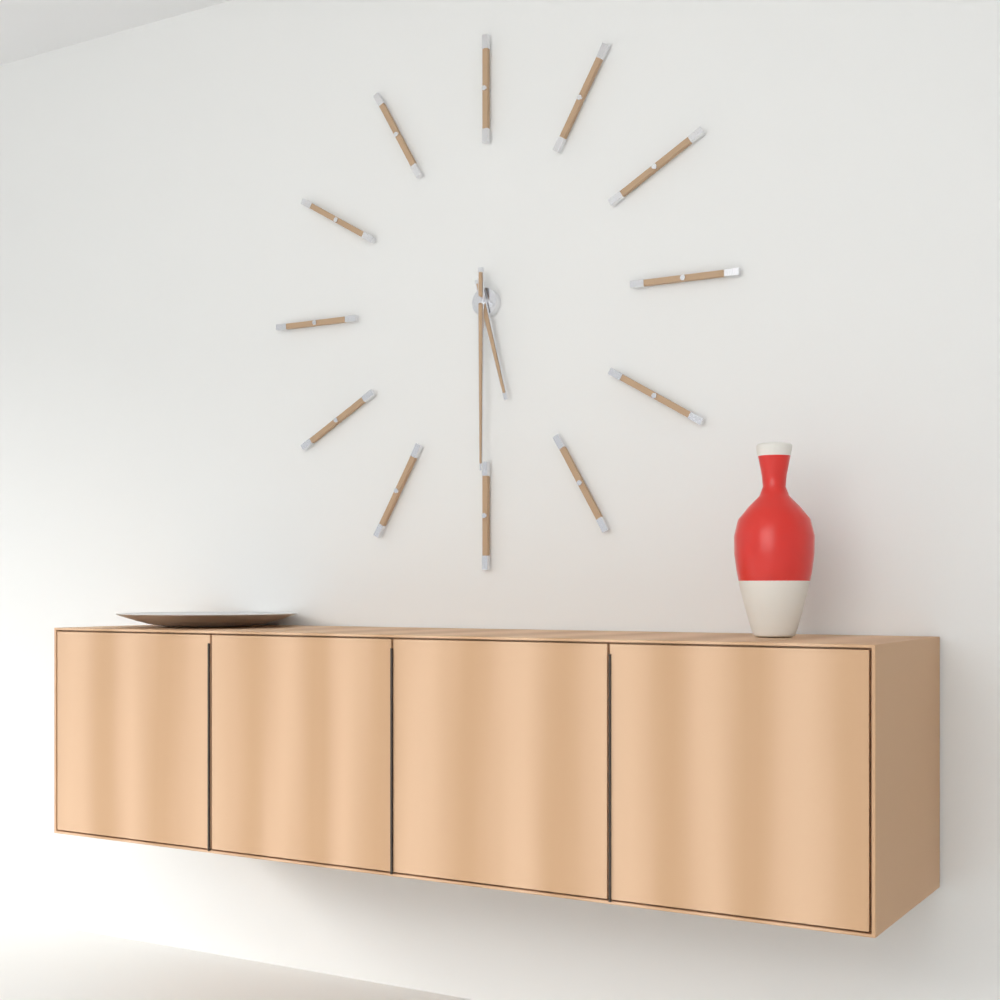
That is **5:30**
